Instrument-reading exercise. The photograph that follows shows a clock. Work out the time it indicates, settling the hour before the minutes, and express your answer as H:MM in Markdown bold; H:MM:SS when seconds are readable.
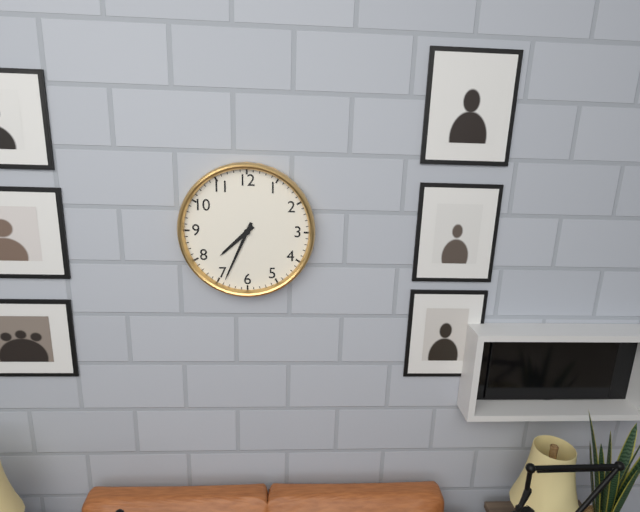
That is **7:34**
